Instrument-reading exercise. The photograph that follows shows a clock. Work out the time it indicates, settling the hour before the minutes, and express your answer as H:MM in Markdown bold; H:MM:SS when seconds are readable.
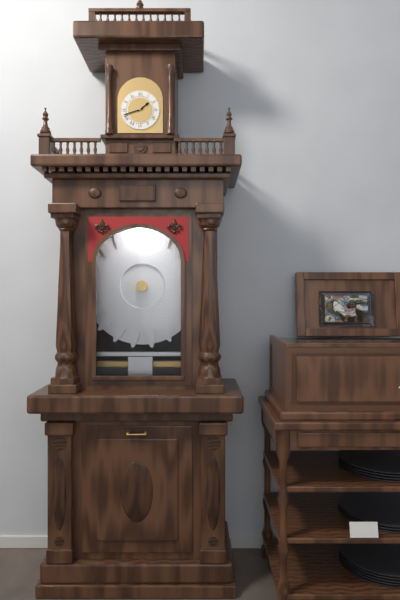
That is **1:42**
